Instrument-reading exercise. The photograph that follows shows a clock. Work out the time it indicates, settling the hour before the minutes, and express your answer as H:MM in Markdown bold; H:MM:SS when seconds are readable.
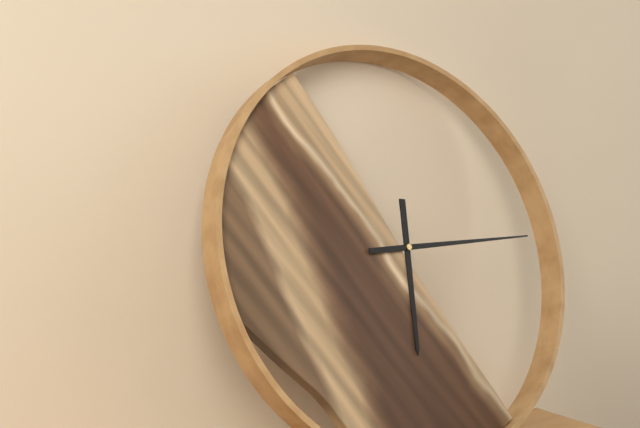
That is **6:15**
